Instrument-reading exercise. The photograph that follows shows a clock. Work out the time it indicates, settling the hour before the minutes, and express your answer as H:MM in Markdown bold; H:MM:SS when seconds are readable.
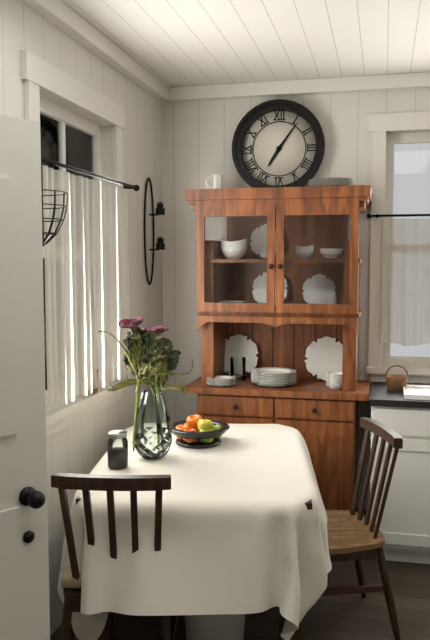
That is **7:06**
